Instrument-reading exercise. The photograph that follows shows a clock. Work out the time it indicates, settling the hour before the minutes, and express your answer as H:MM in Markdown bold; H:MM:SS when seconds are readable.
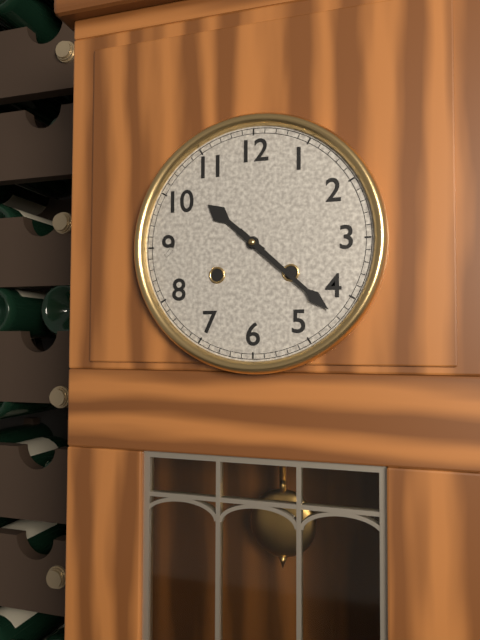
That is **10:22**
